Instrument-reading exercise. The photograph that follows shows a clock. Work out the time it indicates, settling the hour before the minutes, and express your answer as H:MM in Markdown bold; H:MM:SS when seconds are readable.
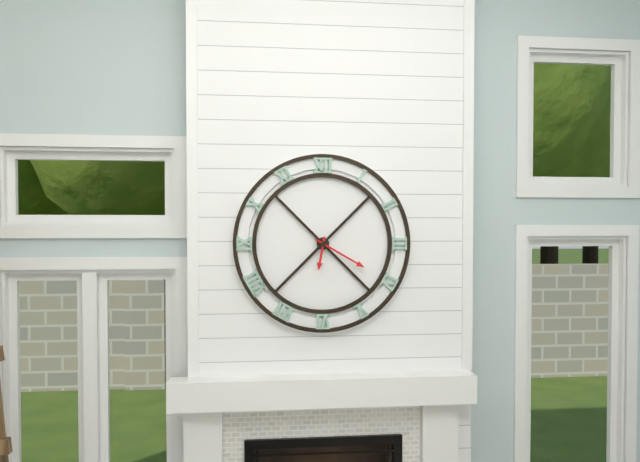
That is **6:20**
